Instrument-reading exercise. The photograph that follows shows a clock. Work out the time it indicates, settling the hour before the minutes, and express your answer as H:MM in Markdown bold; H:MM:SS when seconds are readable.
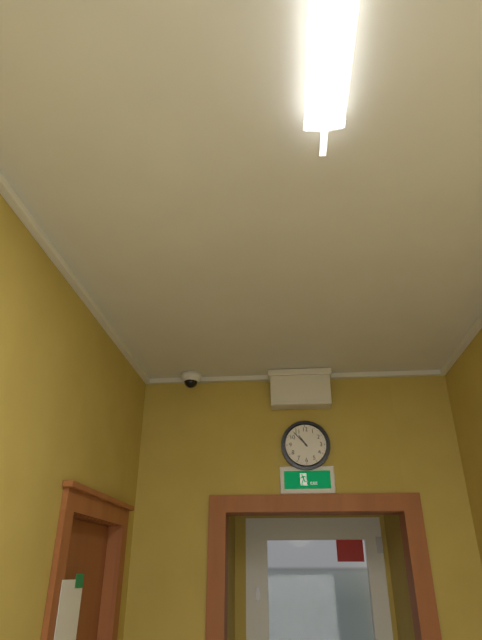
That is **10:53**
